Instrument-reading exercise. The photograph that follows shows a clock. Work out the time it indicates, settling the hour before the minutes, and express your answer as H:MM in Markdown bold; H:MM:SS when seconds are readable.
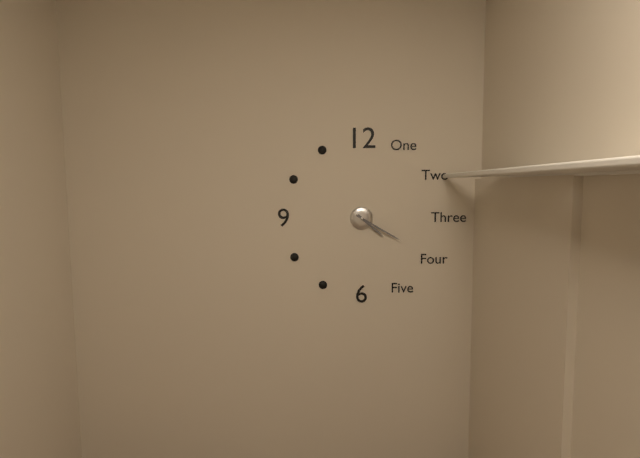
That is **4:20**
